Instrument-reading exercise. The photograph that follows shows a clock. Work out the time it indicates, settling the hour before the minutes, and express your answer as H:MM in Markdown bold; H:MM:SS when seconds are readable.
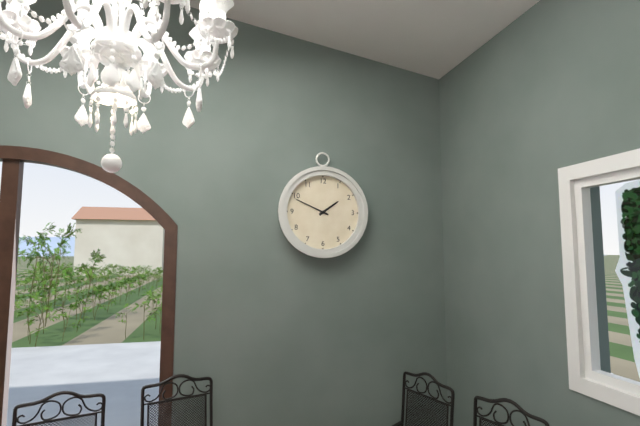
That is **1:49**
